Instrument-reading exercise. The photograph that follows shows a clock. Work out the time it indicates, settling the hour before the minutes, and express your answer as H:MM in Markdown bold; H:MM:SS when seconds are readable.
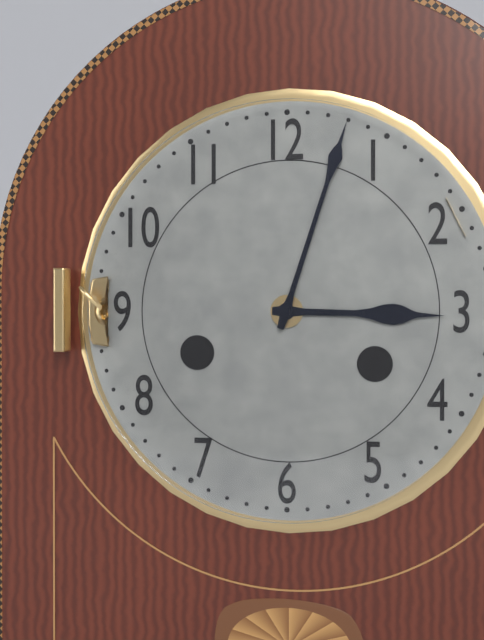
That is **3:03**
